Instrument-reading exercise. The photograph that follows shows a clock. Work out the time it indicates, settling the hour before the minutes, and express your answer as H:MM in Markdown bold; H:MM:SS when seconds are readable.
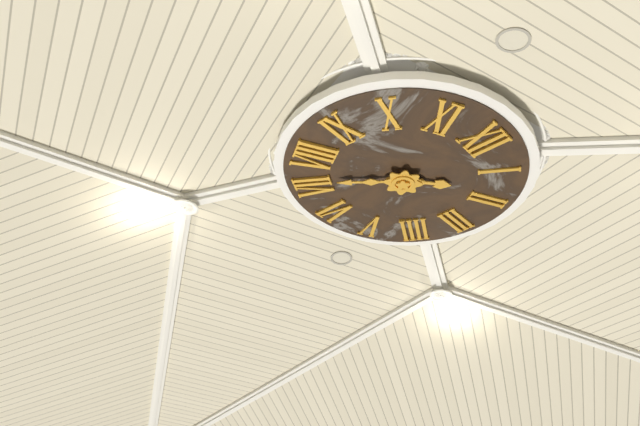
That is **1:36**
